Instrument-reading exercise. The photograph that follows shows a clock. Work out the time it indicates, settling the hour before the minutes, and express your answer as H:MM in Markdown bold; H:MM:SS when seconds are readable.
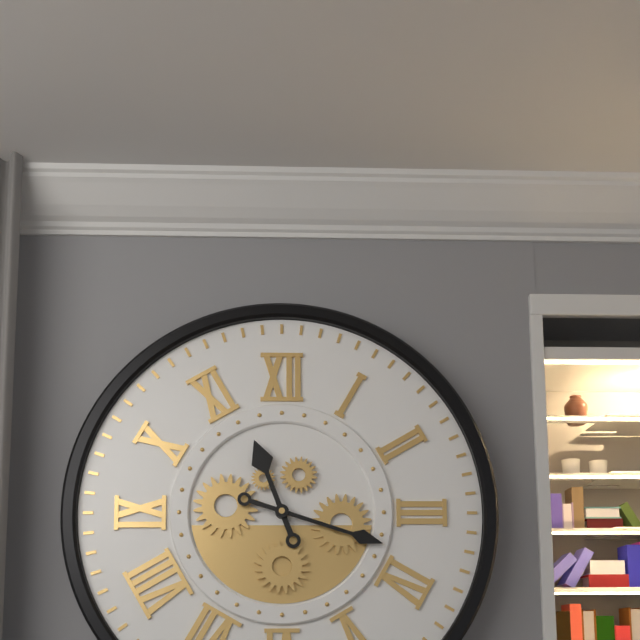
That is **11:18**
